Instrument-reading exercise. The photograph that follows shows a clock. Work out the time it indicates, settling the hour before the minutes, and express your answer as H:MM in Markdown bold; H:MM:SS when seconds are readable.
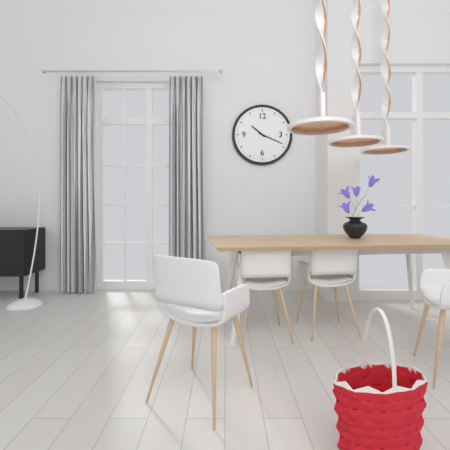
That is **10:19**
